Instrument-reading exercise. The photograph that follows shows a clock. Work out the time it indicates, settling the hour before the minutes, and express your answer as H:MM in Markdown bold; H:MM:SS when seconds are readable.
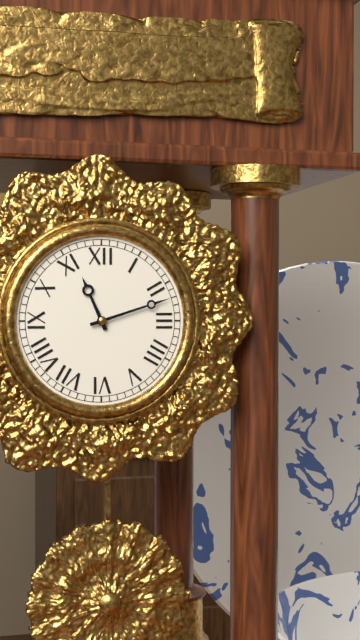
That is **11:12**
